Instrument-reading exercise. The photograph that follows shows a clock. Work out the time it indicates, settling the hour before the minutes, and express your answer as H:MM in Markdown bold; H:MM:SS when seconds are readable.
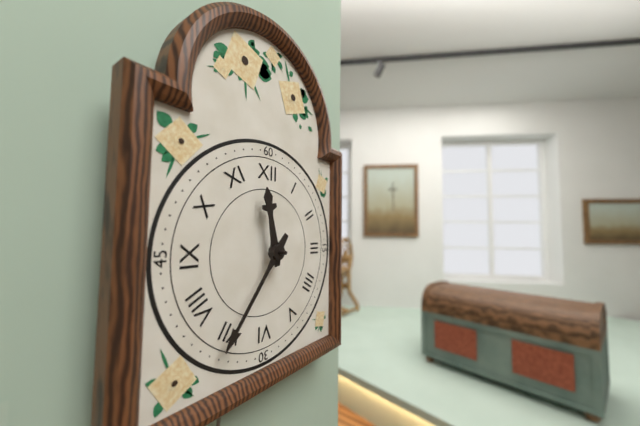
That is **11:36**
